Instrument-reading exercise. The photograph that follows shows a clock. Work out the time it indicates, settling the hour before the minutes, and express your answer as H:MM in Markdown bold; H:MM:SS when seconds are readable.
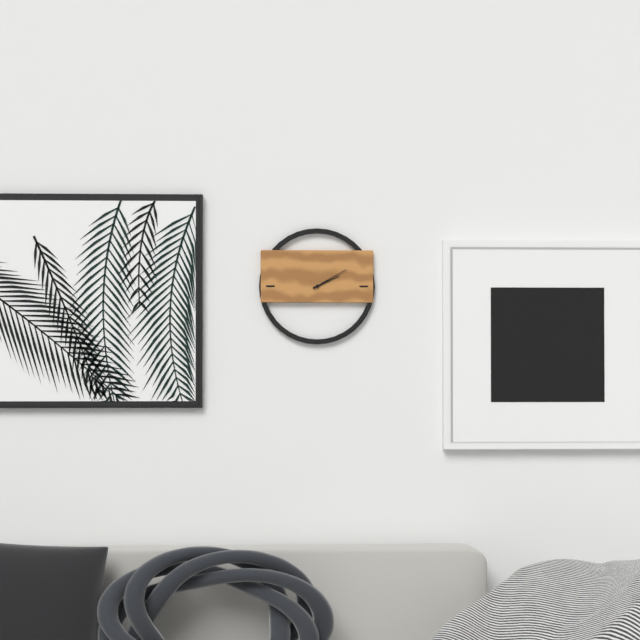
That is **2:10**
